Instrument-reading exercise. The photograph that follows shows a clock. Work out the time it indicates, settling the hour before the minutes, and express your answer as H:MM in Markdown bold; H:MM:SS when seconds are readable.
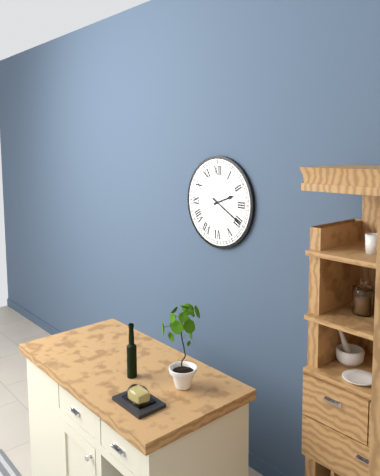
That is **2:20**
